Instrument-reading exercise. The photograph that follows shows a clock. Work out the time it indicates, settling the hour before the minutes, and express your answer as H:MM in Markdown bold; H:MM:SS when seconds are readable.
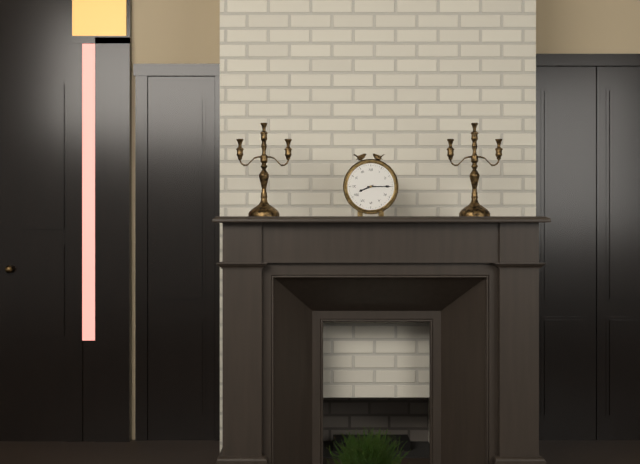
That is **8:15**
